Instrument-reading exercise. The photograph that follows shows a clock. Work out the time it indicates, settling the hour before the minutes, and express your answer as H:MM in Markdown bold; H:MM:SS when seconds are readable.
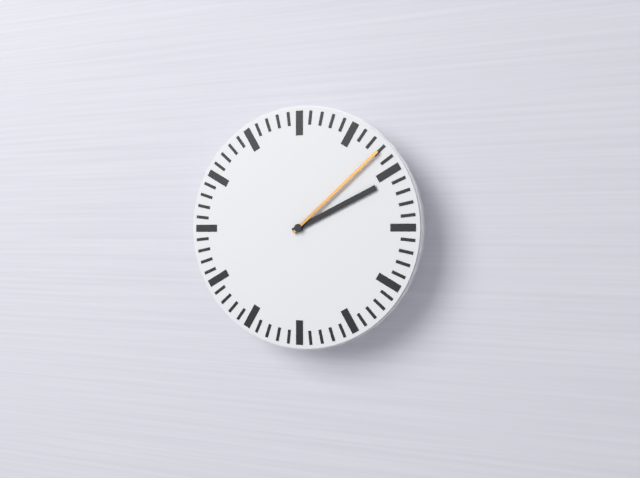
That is **2:08**
